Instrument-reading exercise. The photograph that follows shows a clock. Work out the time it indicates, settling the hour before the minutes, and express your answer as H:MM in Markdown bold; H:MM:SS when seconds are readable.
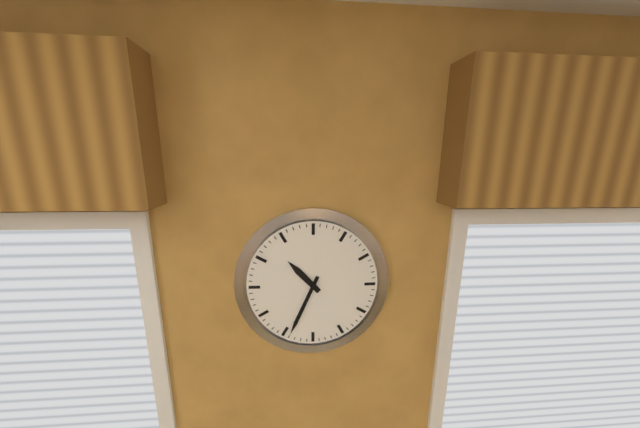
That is **10:34**
